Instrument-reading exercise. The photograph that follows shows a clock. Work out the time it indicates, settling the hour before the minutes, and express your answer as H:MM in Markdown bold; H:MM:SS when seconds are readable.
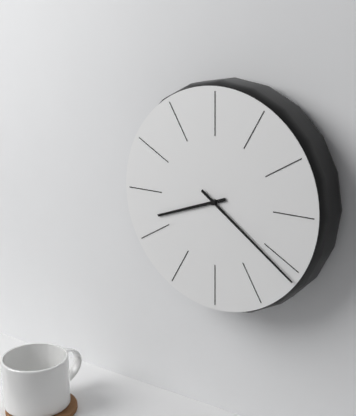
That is **8:21**
